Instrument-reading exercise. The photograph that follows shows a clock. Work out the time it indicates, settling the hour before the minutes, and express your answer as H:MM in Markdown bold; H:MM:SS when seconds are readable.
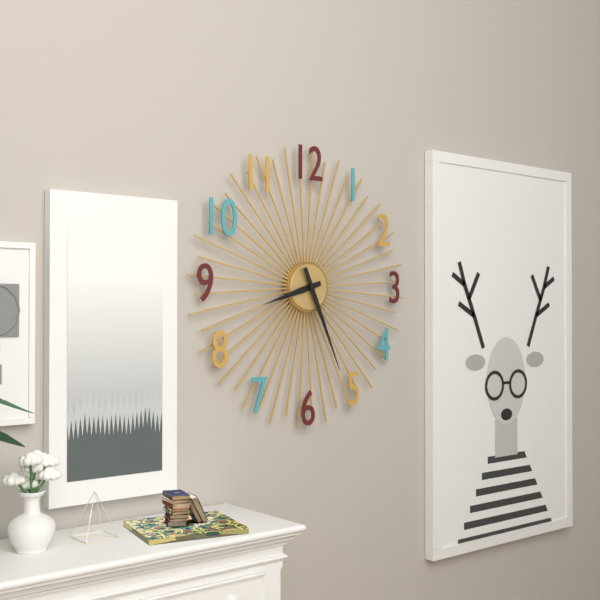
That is **8:26**
